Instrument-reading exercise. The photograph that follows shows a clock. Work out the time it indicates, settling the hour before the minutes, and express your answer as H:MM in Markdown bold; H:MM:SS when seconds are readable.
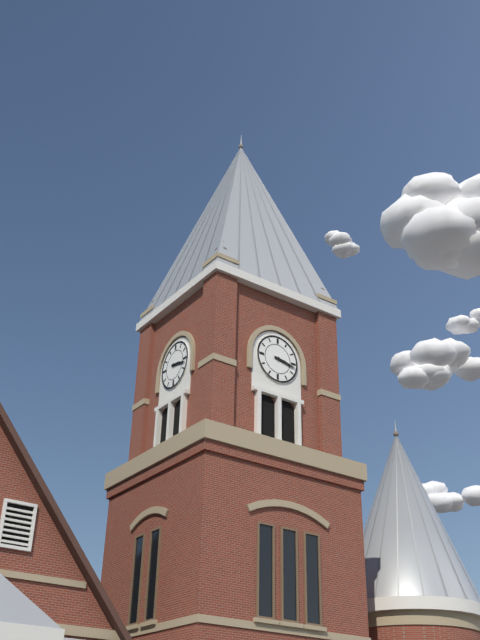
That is **3:17**
